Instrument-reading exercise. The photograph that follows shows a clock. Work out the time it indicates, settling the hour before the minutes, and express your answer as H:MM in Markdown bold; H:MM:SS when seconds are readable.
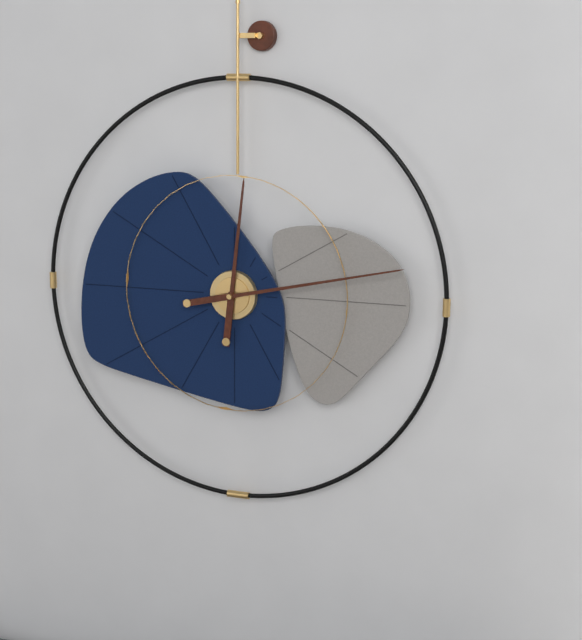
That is **12:13**
